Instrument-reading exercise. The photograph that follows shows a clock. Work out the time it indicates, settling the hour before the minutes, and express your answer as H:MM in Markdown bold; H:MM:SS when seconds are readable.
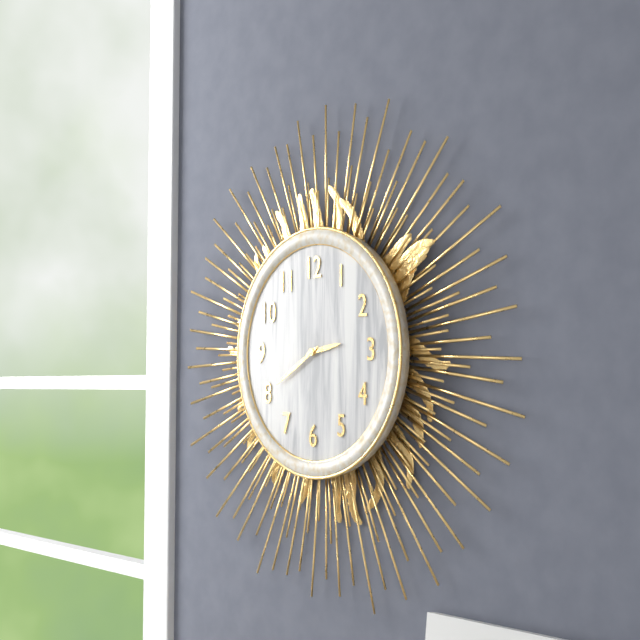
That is **2:40**
